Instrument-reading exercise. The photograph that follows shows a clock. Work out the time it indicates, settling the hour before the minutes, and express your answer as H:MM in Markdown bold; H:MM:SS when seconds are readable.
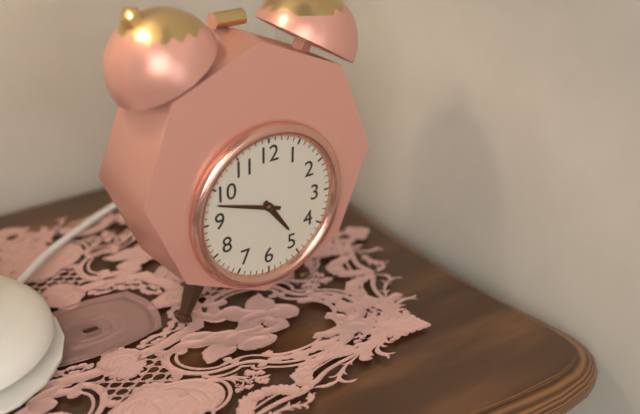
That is **4:48**
